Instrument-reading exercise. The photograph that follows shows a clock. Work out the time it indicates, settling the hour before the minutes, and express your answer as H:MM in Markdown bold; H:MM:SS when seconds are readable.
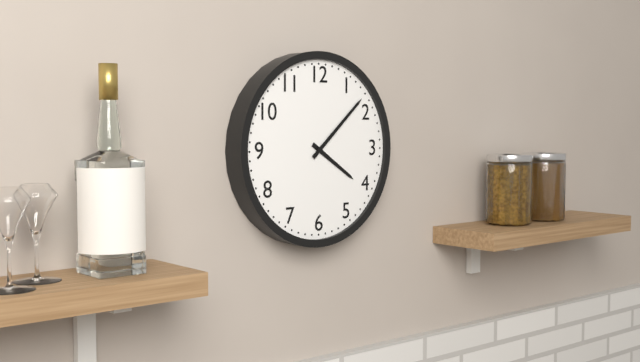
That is **4:08**
